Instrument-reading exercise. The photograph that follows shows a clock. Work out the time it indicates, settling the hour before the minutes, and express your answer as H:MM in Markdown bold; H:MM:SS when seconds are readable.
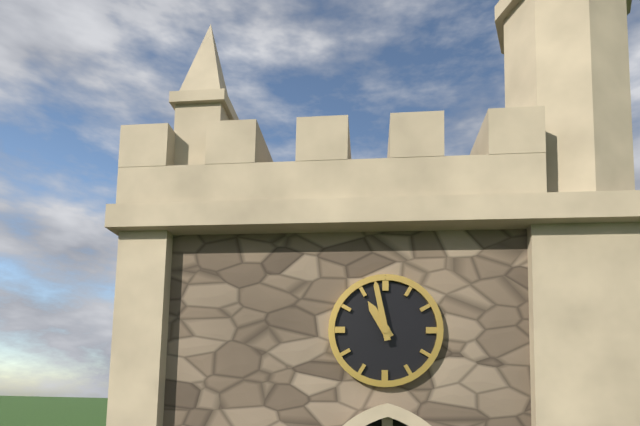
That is **10:58**
